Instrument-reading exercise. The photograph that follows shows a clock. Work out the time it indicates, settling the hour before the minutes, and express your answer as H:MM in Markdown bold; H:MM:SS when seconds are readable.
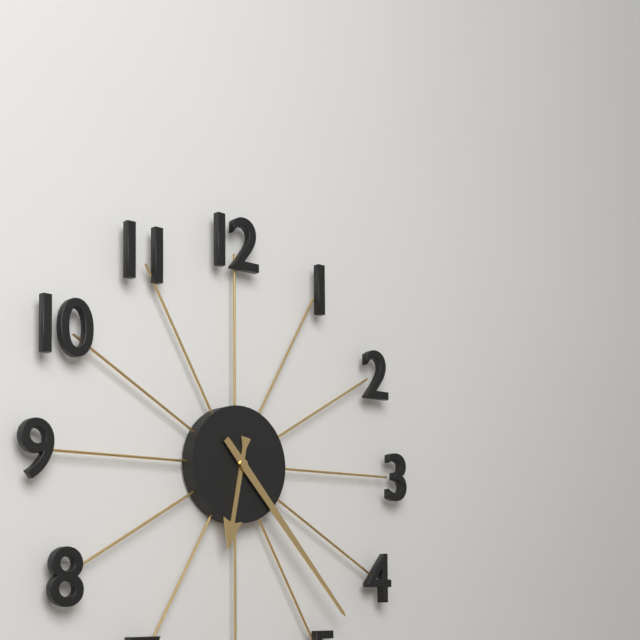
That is **6:23**
